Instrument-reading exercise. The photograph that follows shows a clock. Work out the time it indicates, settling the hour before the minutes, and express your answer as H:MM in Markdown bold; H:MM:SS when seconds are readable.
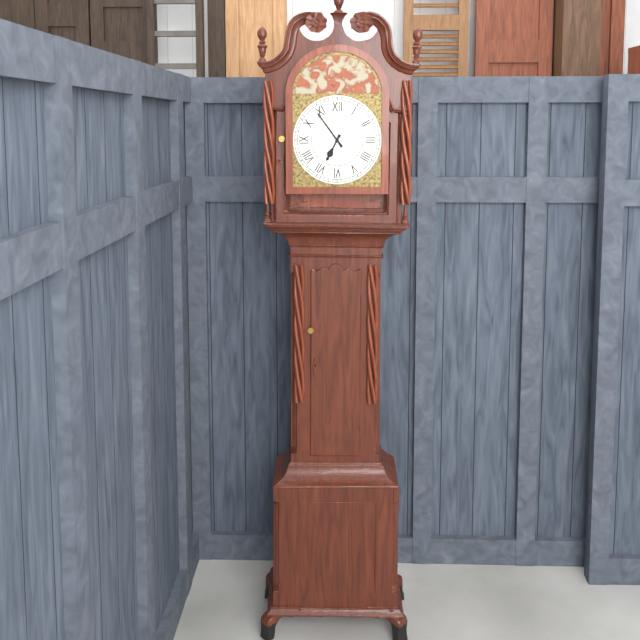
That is **6:54**
